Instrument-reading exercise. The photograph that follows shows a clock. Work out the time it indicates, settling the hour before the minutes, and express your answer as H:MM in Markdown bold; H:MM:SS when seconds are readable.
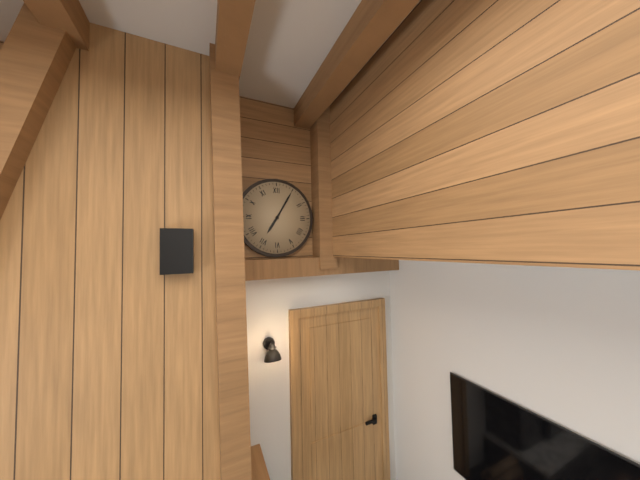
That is **7:05**
